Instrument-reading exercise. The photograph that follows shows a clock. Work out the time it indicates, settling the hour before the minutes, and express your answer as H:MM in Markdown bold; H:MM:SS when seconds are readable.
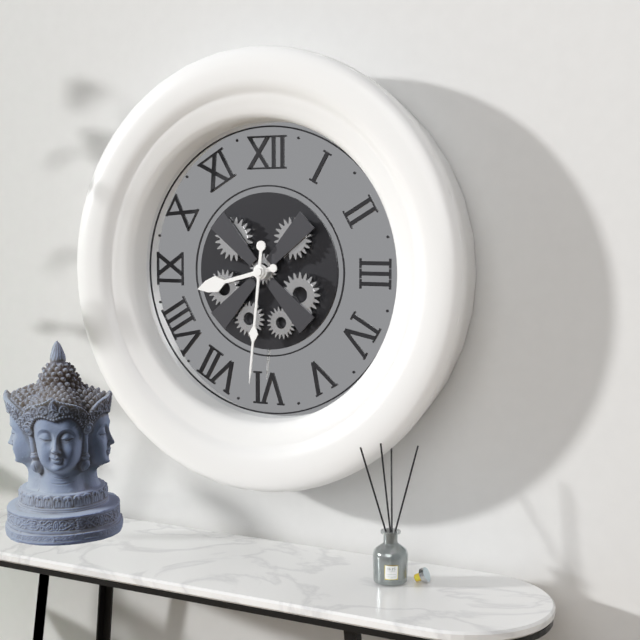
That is **8:31**
